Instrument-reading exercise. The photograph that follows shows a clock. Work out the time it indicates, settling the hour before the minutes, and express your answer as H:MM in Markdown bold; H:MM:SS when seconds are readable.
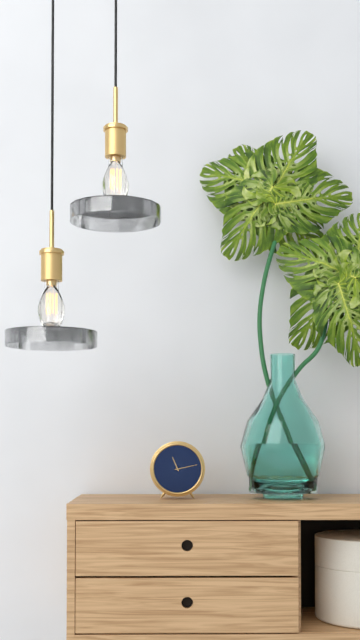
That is **11:13**
